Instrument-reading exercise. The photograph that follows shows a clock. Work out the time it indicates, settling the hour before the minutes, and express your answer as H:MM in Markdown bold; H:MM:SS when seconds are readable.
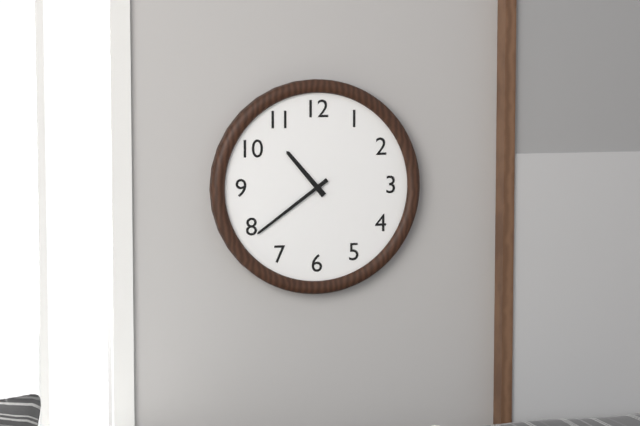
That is **10:39**
